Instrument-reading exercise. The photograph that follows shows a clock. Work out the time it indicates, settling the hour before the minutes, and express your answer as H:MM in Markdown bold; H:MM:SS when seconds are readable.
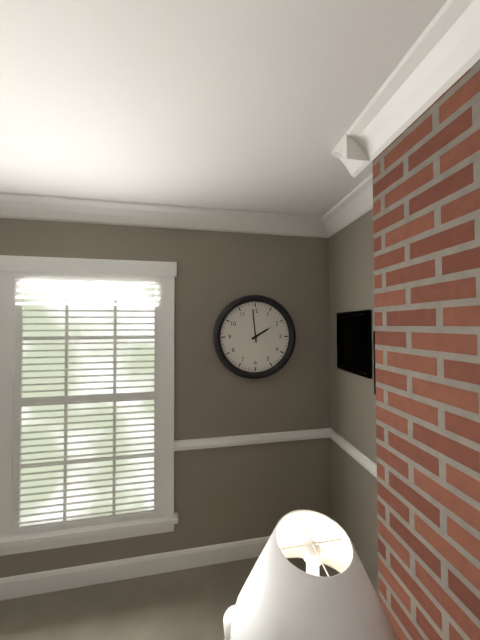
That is **1:59**
